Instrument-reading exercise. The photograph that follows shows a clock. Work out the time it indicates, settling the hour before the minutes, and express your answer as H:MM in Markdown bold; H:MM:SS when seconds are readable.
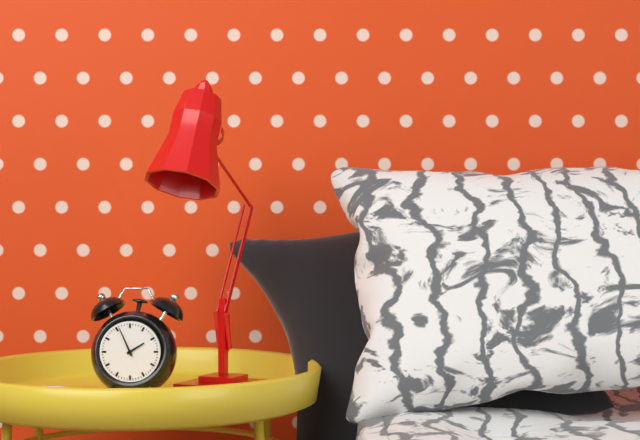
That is **1:56**
